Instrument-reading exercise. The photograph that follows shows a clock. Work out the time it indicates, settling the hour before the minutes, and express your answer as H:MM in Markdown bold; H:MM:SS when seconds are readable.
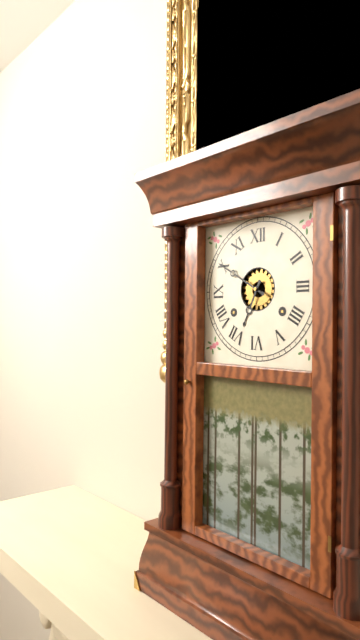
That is **6:50**
